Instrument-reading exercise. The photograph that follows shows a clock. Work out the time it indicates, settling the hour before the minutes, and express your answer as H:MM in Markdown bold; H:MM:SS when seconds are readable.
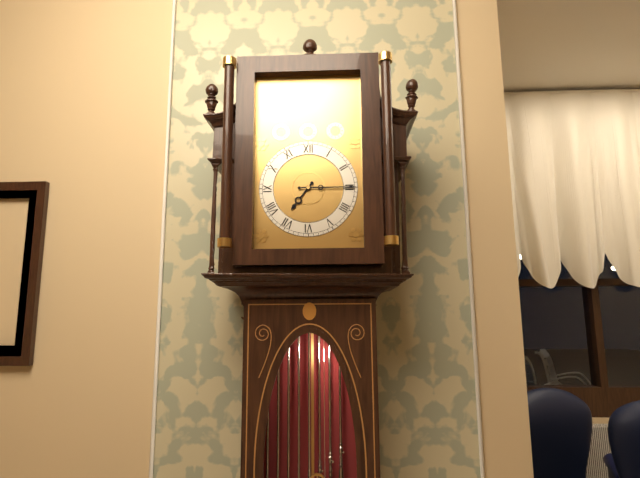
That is **7:15**
